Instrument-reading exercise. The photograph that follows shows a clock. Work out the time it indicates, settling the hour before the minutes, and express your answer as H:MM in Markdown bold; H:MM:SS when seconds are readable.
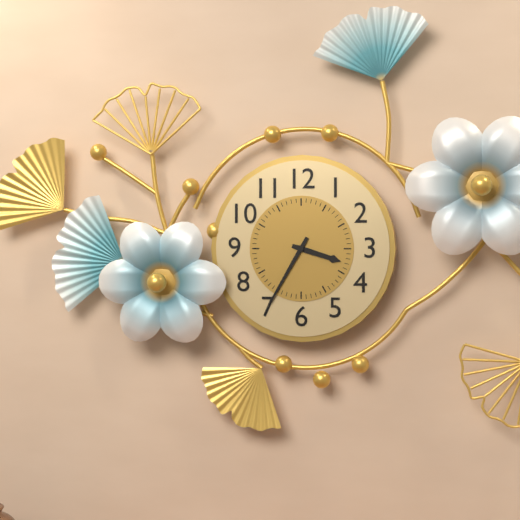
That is **3:35**
